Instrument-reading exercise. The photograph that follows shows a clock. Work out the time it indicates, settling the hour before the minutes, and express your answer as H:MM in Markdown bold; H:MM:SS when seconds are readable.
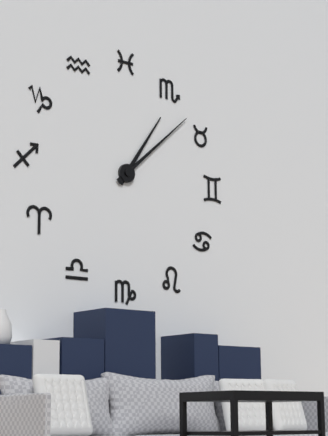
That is **1:08**
